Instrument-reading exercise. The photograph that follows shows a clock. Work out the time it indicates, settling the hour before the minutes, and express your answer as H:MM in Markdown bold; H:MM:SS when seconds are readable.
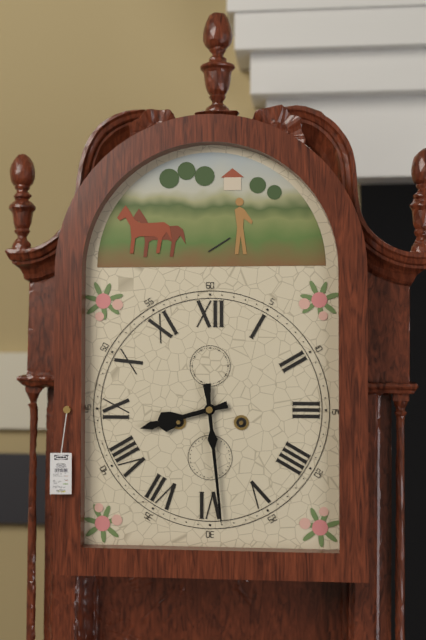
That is **8:29**
